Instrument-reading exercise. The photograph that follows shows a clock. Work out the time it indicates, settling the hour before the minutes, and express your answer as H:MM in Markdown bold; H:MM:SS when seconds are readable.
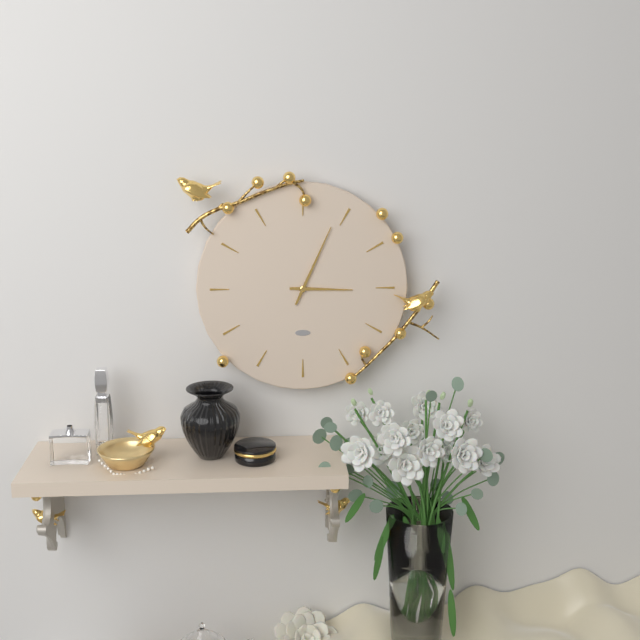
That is **3:04**
